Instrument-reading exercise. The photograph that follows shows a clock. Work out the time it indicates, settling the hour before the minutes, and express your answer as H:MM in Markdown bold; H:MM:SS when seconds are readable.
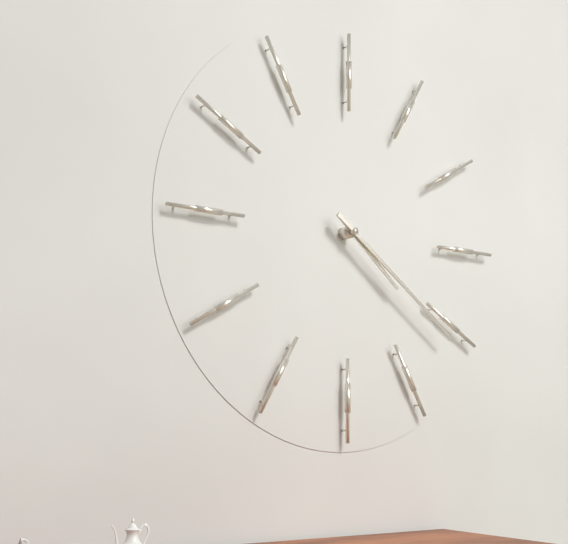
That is **4:21**
